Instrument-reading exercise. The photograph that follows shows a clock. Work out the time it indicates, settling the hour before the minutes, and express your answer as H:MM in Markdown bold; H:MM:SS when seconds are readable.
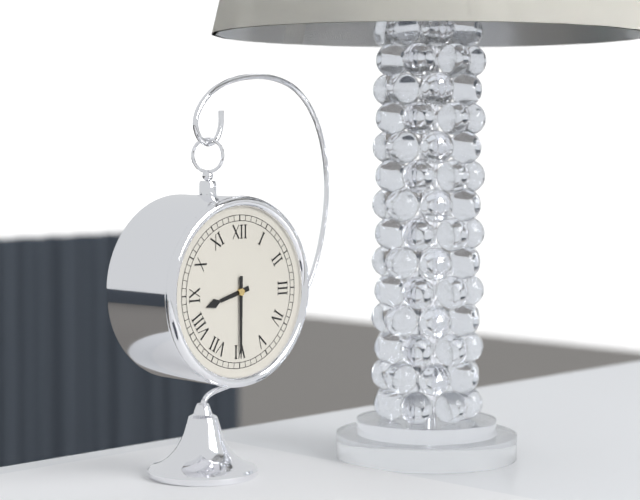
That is **8:30**
